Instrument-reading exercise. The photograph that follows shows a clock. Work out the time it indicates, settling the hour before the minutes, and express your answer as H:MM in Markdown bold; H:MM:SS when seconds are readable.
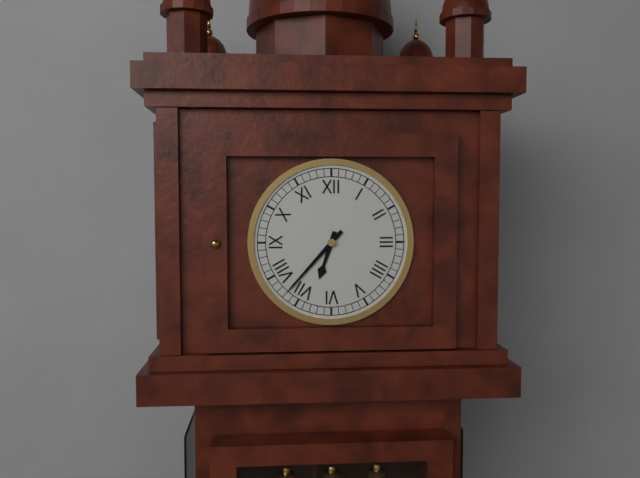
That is **6:37**
